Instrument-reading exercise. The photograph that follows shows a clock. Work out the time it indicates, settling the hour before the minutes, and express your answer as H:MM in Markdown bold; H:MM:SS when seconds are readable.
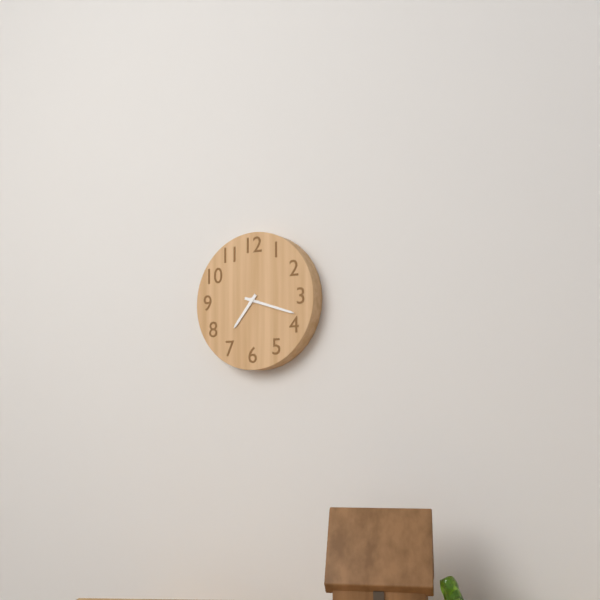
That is **7:18**
